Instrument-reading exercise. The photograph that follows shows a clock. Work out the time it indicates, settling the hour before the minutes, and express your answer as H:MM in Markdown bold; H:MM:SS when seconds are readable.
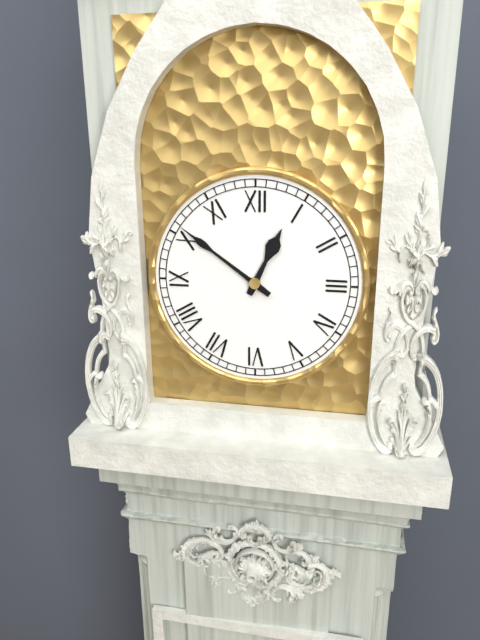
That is **12:51**
